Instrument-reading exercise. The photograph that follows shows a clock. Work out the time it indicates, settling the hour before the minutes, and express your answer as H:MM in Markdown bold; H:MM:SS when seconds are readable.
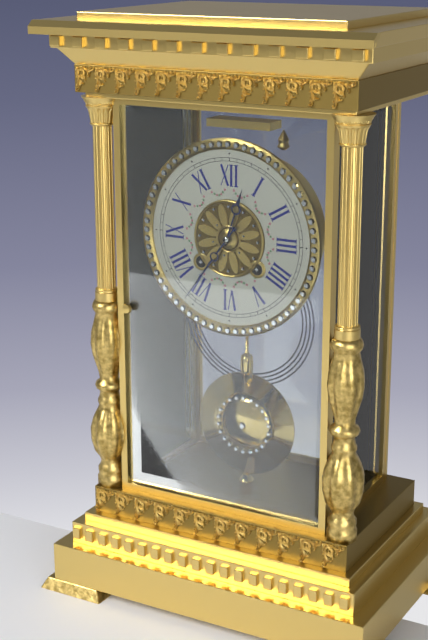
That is **12:36**
